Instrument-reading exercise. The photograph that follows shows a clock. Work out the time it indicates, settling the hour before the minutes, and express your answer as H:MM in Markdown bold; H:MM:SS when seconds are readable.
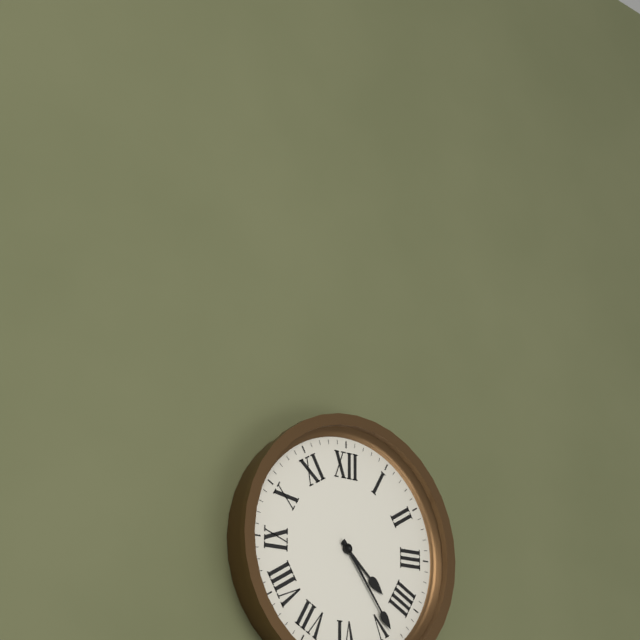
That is **4:24**
